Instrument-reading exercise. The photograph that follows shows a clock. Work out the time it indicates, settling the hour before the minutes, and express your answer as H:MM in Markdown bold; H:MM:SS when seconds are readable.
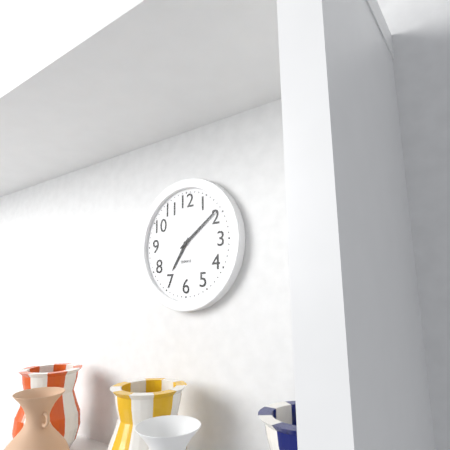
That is **7:09**
